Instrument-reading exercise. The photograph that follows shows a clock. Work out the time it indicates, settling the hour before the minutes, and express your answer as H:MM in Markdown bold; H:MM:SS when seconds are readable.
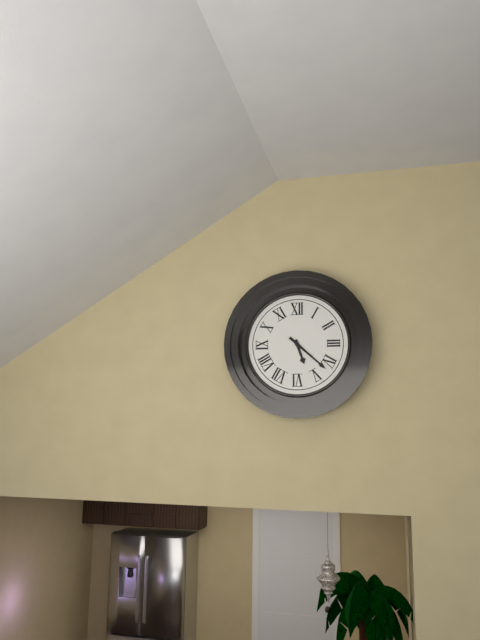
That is **5:22**
